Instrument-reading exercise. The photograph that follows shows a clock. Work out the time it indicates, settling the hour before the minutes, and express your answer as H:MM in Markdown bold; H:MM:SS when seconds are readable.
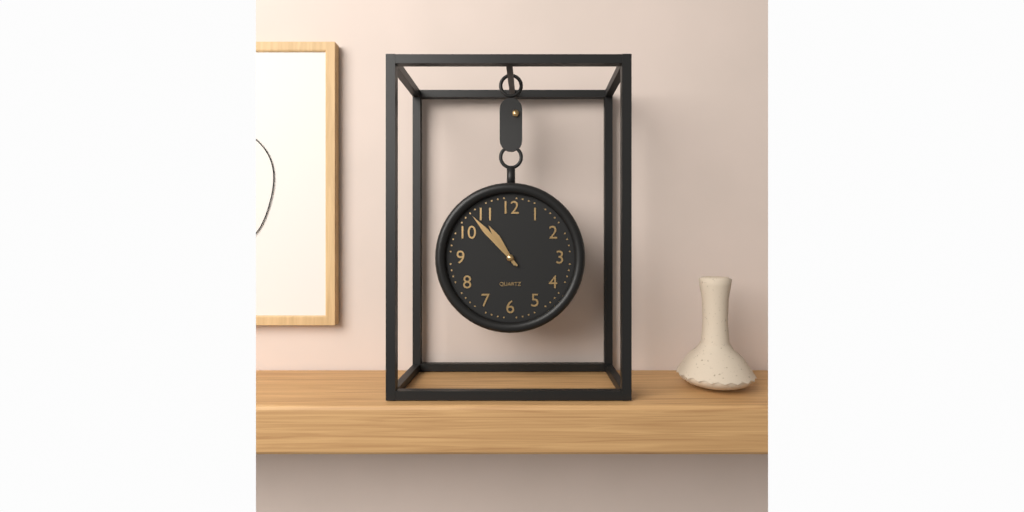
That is **10:53**
